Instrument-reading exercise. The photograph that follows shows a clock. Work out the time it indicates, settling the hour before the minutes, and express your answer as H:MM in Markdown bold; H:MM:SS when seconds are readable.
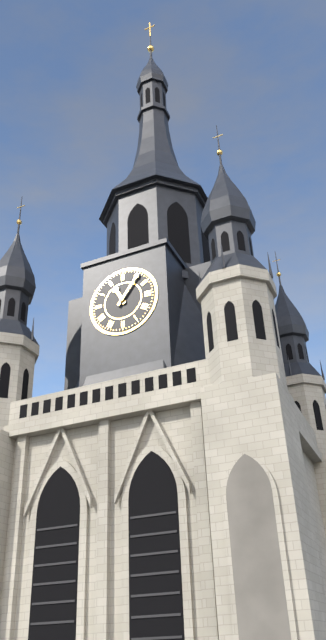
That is **11:06**
